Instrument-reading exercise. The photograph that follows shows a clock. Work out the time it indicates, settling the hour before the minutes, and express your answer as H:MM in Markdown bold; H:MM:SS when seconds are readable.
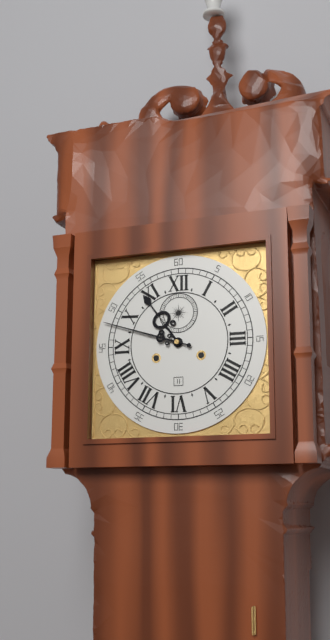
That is **10:48**
